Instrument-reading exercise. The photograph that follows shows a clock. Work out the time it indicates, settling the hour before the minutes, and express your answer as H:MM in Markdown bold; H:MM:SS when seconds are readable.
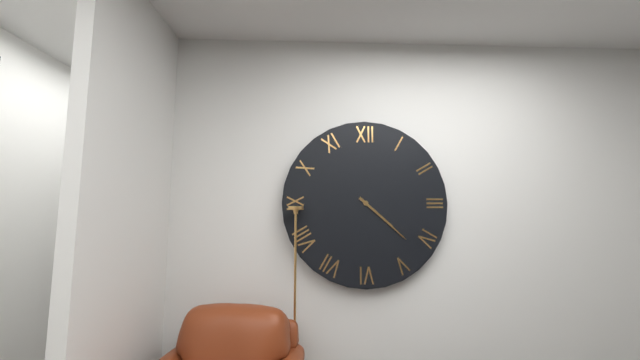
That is **4:22**
